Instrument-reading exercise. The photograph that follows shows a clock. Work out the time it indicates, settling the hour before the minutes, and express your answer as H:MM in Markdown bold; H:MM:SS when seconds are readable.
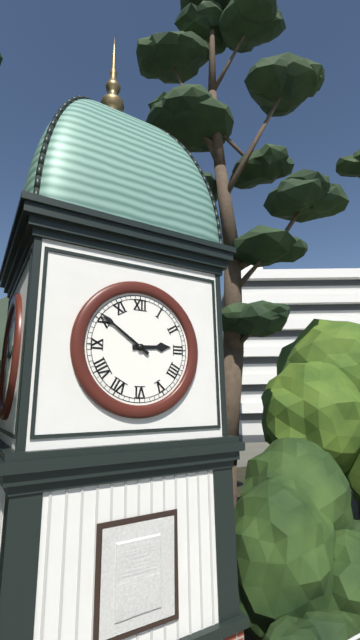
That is **2:51**
